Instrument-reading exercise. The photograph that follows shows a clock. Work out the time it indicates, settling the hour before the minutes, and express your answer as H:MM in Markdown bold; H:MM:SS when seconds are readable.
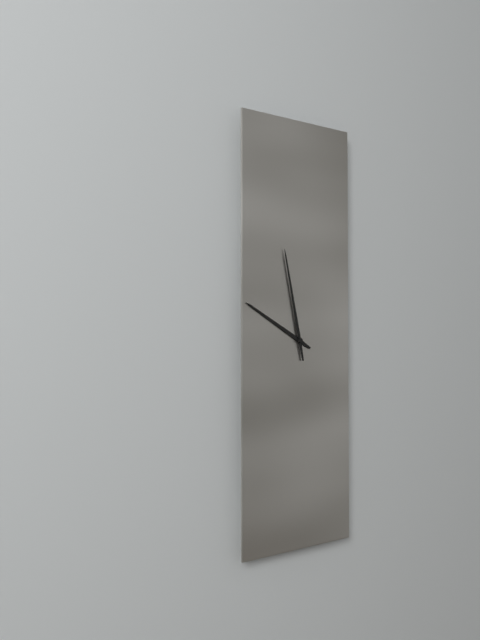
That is **9:58**
